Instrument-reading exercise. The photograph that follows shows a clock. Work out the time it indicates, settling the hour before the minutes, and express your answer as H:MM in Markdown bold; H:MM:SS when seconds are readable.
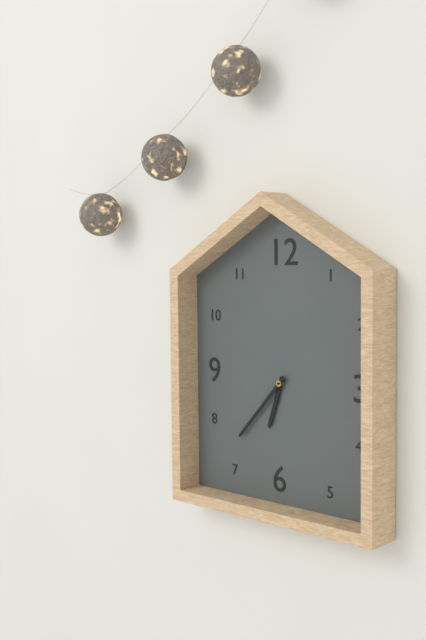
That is **6:37**
